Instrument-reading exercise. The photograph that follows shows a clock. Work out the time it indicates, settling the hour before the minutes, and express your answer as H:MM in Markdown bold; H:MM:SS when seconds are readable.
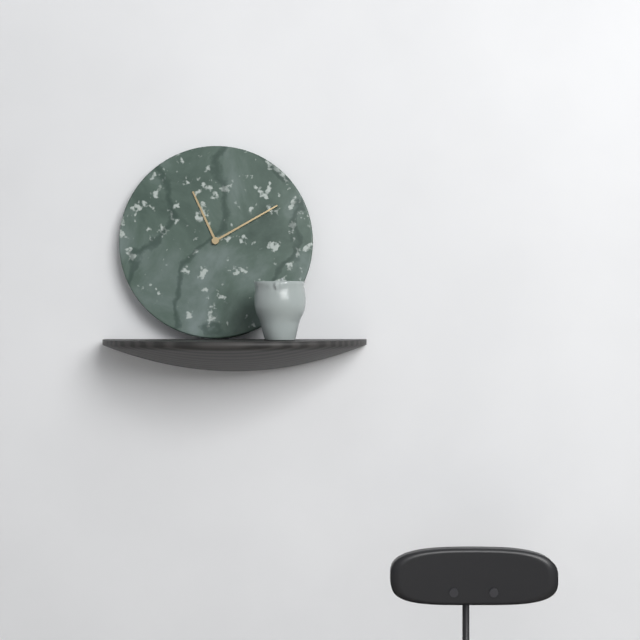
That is **11:10**
